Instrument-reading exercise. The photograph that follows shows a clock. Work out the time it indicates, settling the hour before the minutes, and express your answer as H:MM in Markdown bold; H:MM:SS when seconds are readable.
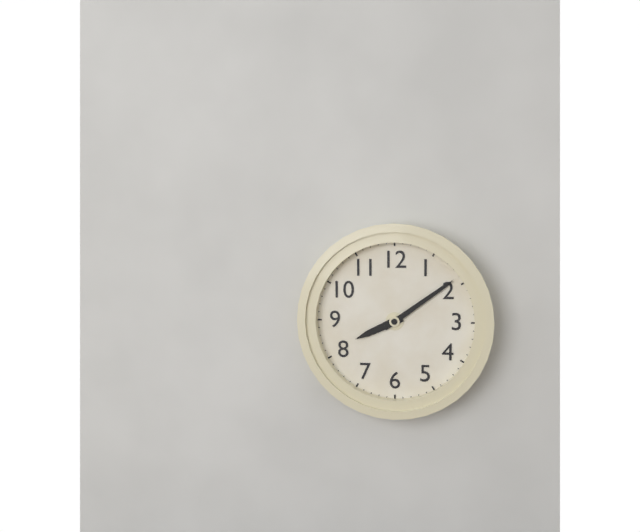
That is **8:09**
